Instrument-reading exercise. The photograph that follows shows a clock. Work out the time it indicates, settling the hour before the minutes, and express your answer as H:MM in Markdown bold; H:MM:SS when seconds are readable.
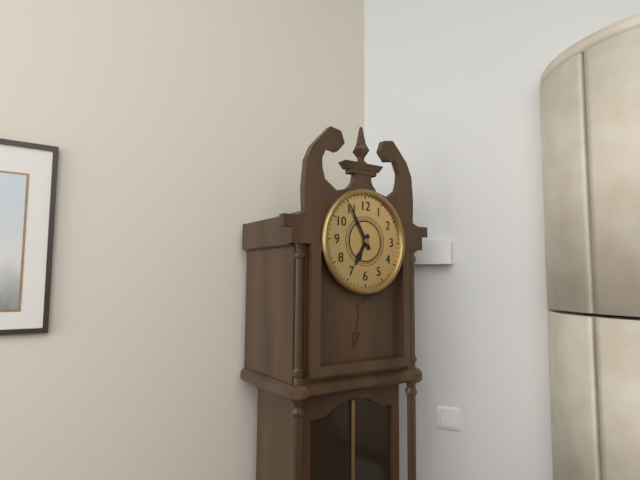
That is **6:55**
